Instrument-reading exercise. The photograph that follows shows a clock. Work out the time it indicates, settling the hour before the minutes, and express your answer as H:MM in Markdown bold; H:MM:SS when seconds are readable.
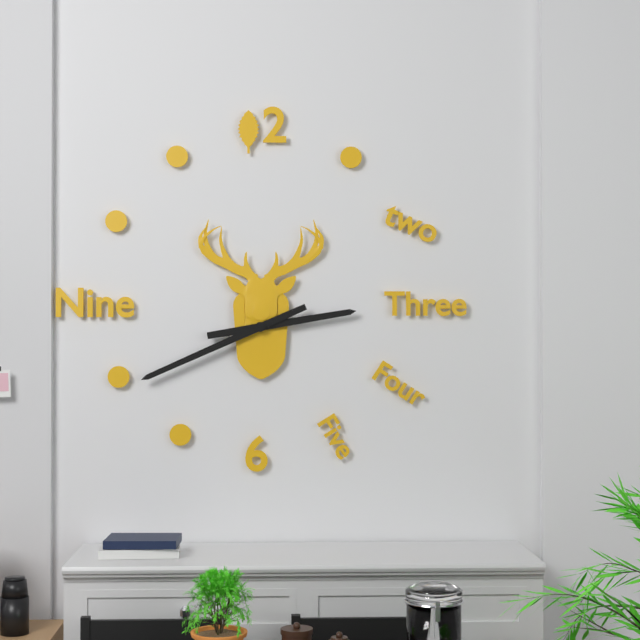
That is **2:41**
